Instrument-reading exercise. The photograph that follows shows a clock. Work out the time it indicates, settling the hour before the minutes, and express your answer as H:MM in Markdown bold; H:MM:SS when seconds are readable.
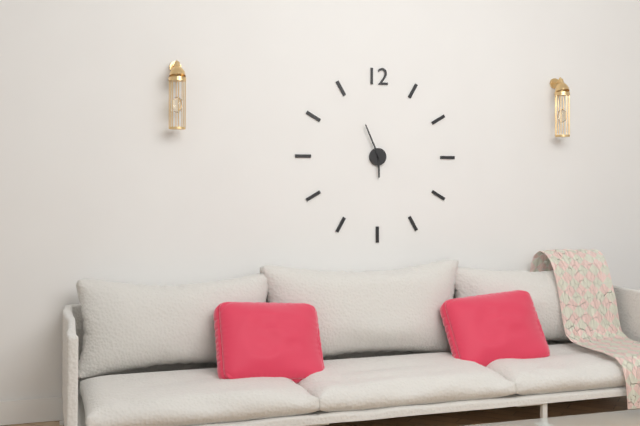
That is **5:56**
